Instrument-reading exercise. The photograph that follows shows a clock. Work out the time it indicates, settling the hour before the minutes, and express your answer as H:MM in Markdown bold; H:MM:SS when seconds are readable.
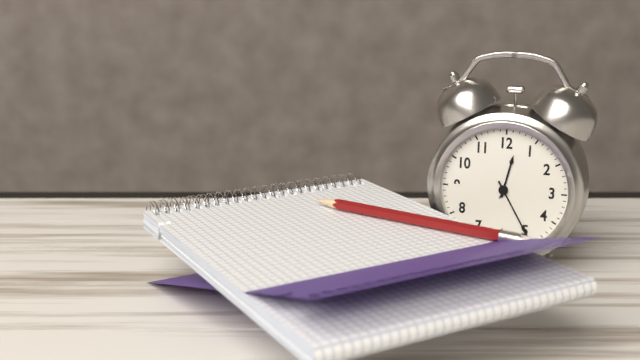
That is **12:25**
